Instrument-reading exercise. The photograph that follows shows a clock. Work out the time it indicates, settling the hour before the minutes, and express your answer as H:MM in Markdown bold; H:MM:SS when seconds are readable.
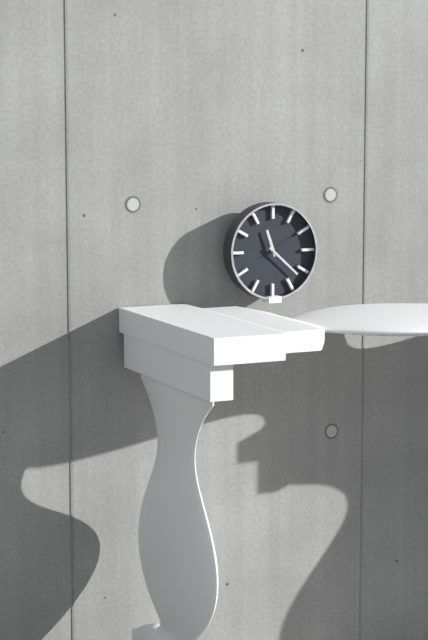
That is **11:22**
